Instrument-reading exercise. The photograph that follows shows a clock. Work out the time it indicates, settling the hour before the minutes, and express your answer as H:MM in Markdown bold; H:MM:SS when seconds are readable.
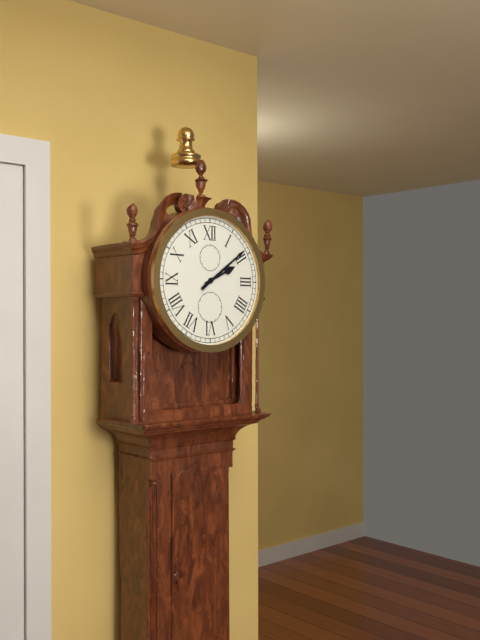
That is **2:09**
